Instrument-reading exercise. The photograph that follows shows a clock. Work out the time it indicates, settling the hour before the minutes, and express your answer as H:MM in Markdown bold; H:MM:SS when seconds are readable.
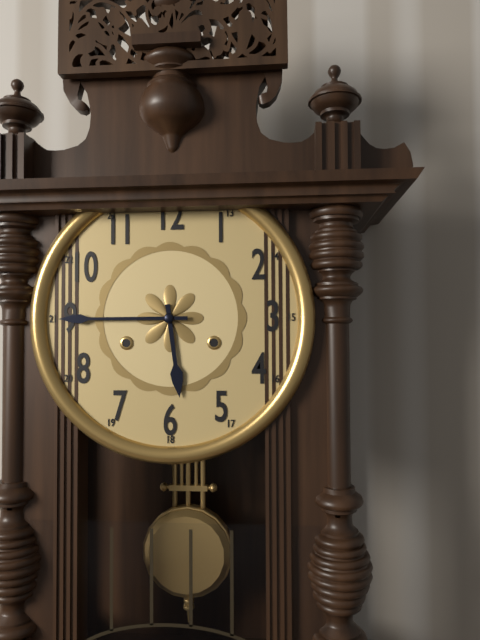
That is **5:45**
